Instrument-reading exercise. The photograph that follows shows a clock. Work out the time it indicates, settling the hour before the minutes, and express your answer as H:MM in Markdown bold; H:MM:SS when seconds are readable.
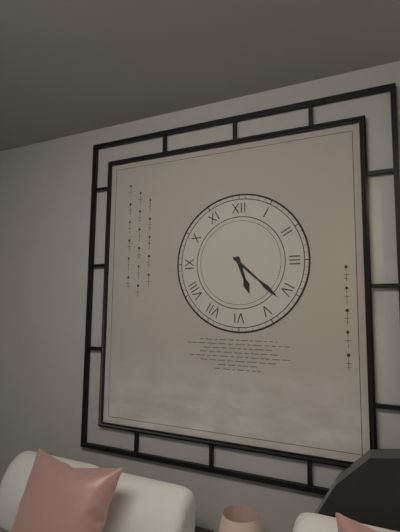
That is **5:22**
